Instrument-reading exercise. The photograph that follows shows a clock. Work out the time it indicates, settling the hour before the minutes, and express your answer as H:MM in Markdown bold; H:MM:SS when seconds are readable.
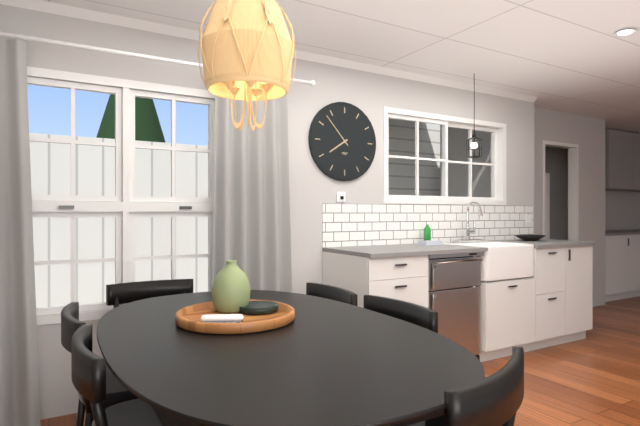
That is **7:53**
